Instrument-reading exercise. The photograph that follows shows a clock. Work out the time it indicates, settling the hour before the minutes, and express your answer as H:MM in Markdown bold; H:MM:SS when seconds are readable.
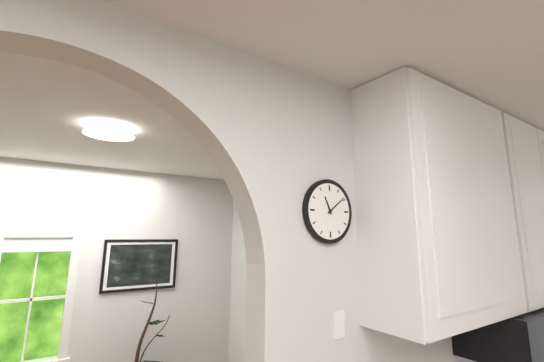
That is **11:09**
